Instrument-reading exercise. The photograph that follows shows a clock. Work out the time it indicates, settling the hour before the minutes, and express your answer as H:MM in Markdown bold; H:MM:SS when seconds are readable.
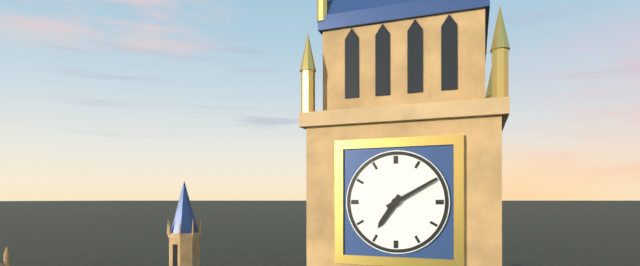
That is **7:10**
